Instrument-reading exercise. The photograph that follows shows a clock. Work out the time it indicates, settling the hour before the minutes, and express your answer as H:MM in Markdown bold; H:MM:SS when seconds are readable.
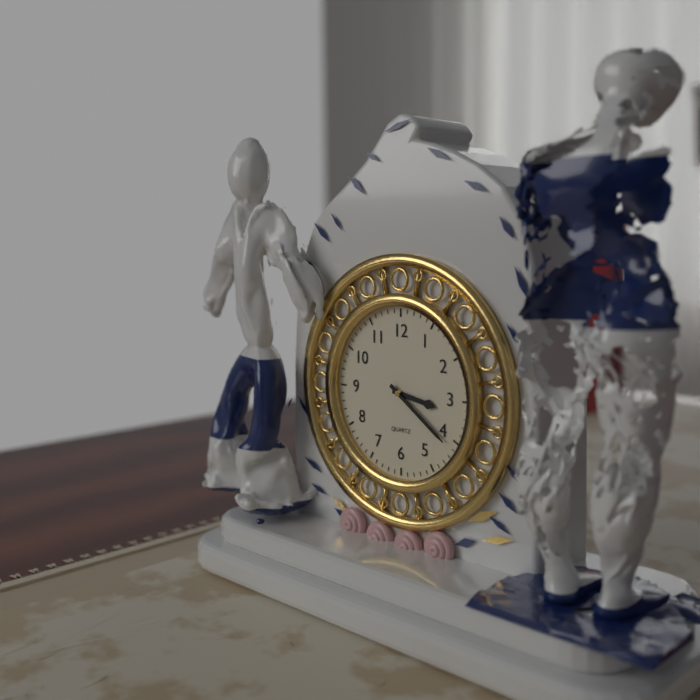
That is **3:21**
